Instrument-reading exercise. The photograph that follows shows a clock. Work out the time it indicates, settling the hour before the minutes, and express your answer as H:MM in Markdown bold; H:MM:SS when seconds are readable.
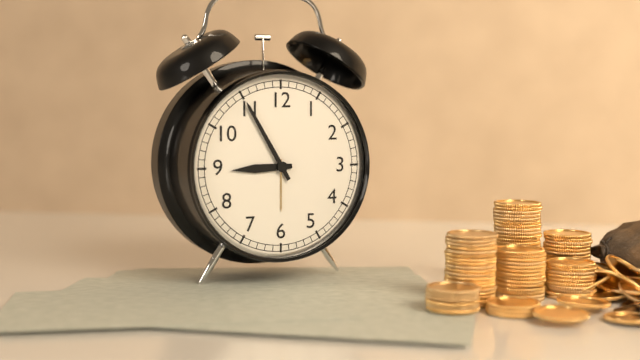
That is **8:55**
